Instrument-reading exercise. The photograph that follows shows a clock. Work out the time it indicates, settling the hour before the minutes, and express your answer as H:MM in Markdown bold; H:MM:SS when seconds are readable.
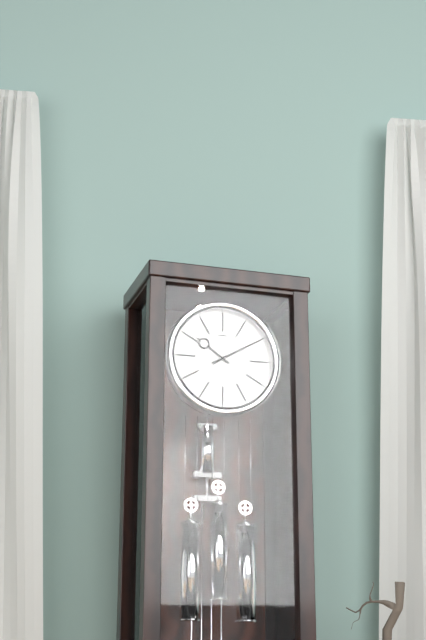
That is **10:10**
